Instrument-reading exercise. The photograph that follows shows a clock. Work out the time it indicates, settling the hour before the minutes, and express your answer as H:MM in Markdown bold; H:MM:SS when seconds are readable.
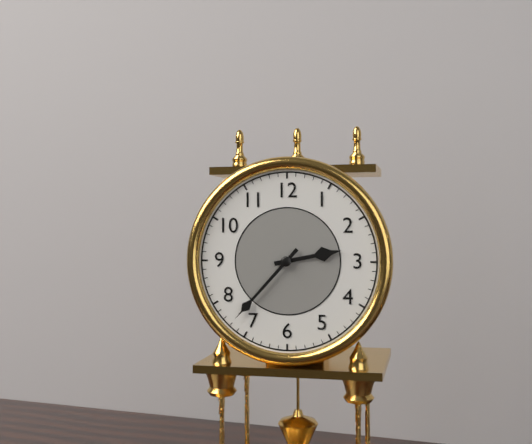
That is **2:37**
